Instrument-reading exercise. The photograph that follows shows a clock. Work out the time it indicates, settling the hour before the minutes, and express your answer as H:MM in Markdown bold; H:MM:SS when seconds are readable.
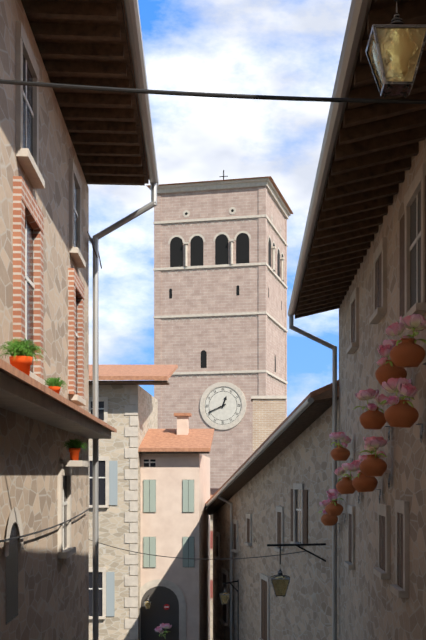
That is **12:41**
